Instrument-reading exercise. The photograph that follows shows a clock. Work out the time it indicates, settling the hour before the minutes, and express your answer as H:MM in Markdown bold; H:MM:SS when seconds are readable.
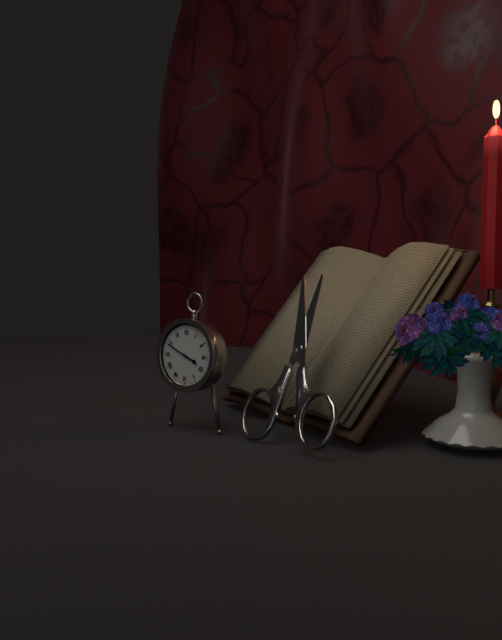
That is **3:49**
